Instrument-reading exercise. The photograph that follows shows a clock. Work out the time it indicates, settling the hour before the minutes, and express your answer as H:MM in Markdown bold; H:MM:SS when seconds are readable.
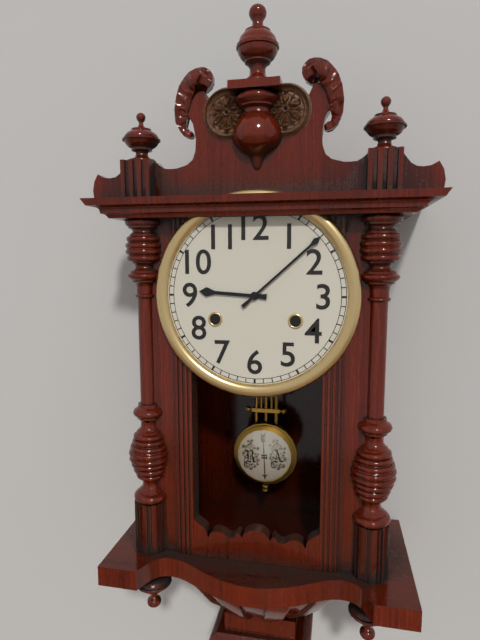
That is **9:08**
